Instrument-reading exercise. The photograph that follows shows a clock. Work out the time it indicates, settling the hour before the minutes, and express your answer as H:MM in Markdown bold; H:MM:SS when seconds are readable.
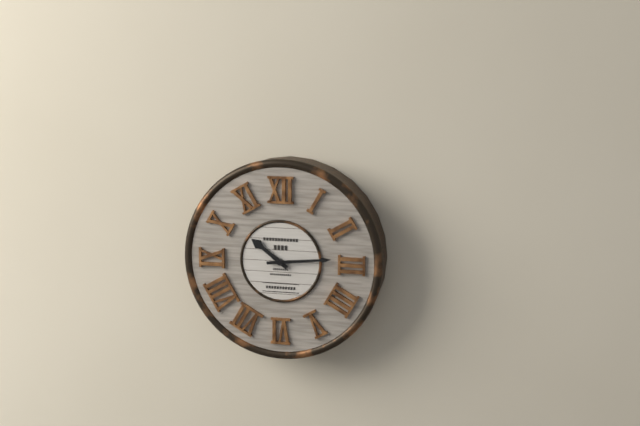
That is **10:14**
